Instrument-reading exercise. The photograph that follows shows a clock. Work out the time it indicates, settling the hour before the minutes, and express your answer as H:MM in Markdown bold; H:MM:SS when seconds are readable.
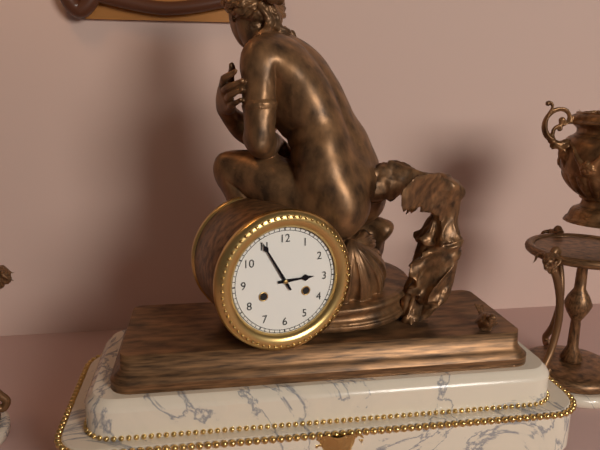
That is **2:55**
